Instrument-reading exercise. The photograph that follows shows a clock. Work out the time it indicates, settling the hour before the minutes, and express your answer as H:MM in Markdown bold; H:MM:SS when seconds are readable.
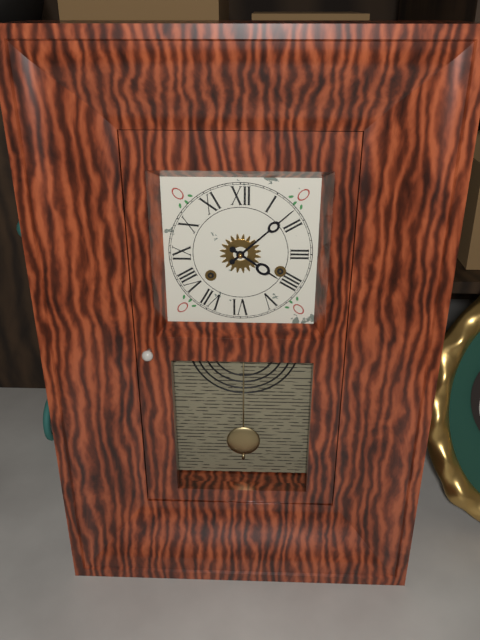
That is **4:08**
